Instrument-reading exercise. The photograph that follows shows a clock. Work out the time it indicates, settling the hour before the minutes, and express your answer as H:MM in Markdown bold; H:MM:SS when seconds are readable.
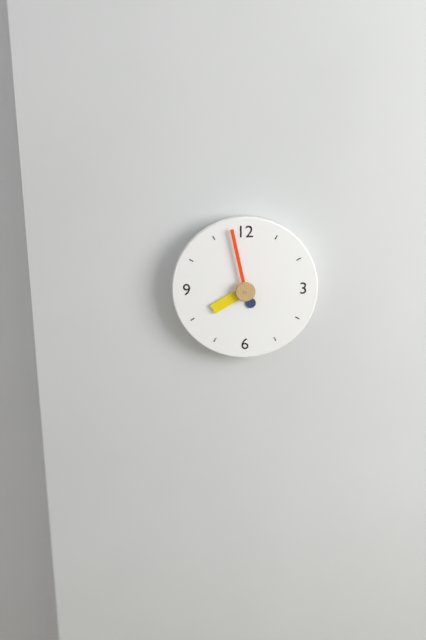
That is **7:58**
